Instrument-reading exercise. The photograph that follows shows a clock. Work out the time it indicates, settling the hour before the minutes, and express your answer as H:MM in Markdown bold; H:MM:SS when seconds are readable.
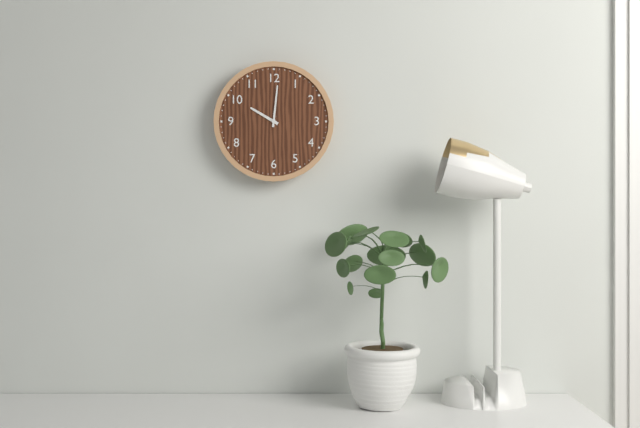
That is **10:01**
